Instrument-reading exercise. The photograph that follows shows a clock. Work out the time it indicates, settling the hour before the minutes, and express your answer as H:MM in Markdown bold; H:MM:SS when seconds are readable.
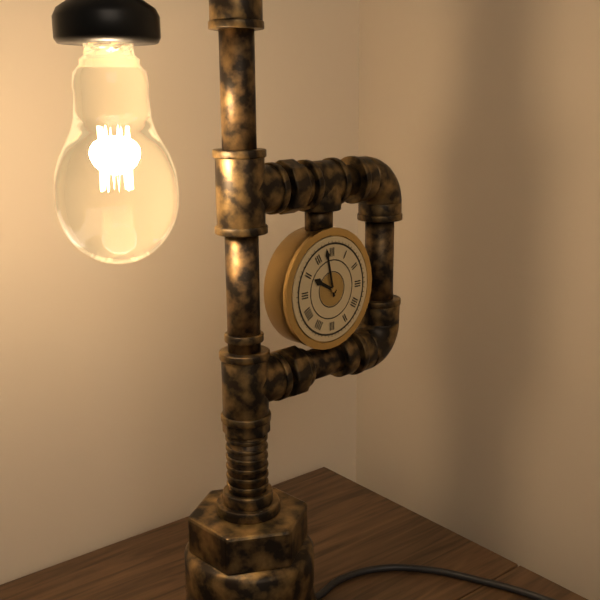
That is **9:58**
